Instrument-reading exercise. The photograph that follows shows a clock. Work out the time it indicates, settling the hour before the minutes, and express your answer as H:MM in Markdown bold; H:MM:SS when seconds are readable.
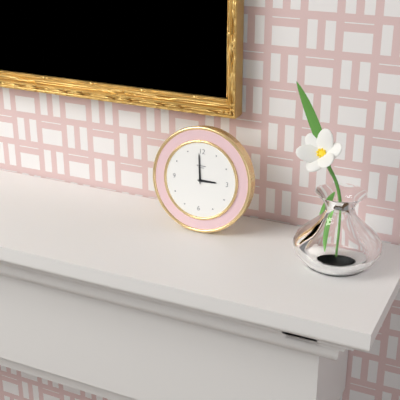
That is **2:59**
